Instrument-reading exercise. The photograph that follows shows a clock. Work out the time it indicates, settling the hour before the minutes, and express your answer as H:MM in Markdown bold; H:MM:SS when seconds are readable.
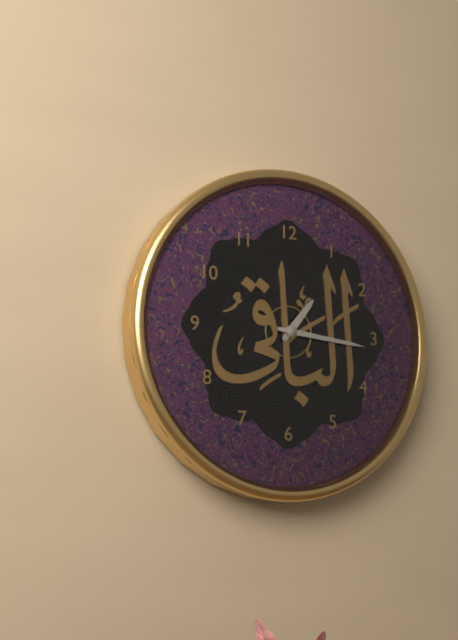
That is **1:16**
